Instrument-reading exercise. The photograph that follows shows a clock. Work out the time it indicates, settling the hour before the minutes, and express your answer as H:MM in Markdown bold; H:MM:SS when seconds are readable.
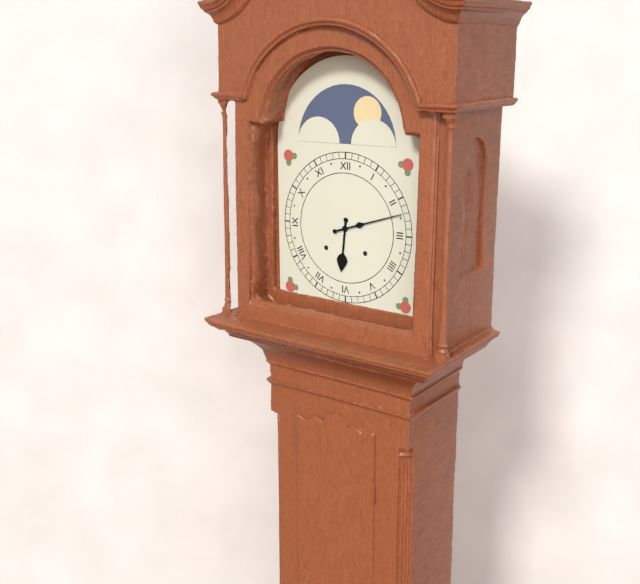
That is **6:12**
